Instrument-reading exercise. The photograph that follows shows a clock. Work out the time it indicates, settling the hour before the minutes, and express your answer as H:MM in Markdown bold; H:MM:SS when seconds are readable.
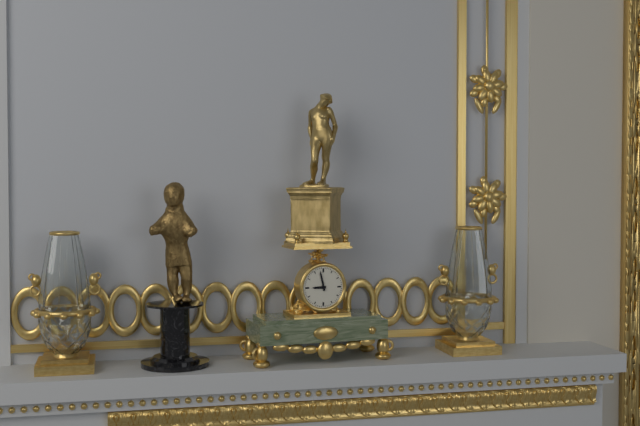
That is **8:58**
